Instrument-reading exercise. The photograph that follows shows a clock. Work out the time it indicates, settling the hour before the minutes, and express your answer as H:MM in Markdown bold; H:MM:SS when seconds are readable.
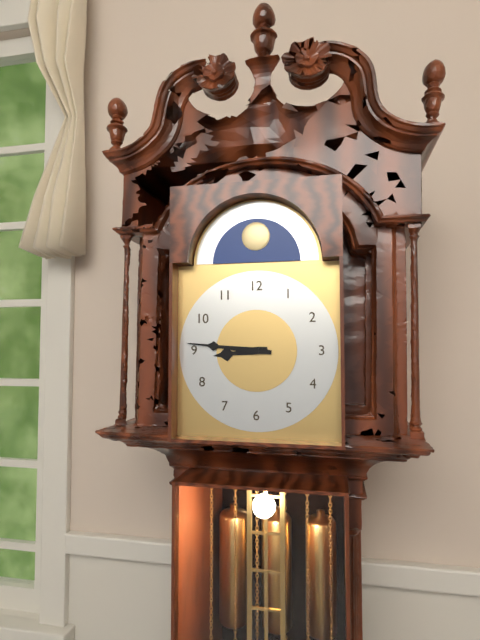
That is **8:46**
